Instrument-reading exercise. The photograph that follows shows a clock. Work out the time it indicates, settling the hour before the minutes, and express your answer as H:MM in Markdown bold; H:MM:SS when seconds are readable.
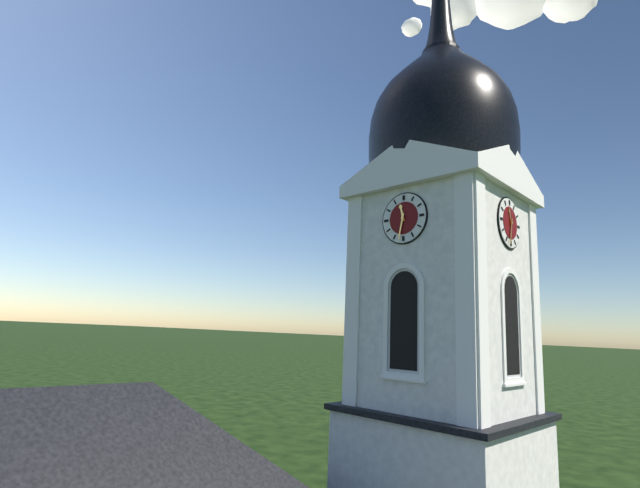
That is **11:32**
